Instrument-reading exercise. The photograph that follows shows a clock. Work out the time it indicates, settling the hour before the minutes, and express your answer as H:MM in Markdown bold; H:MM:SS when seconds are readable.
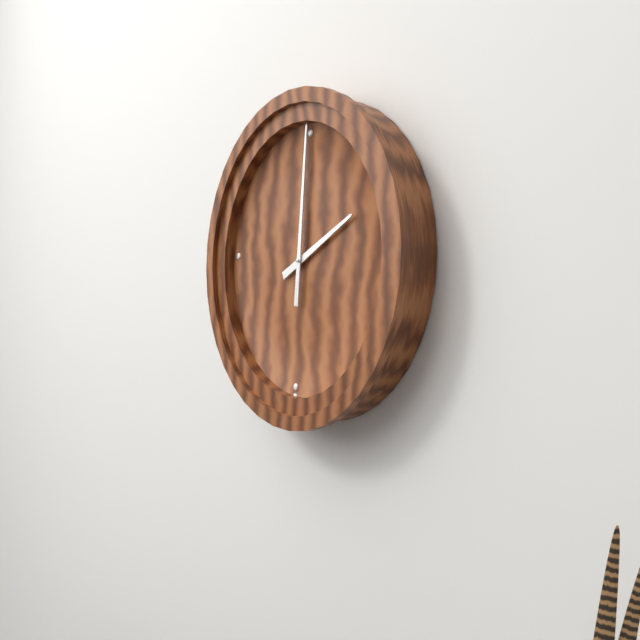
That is **2:00**
